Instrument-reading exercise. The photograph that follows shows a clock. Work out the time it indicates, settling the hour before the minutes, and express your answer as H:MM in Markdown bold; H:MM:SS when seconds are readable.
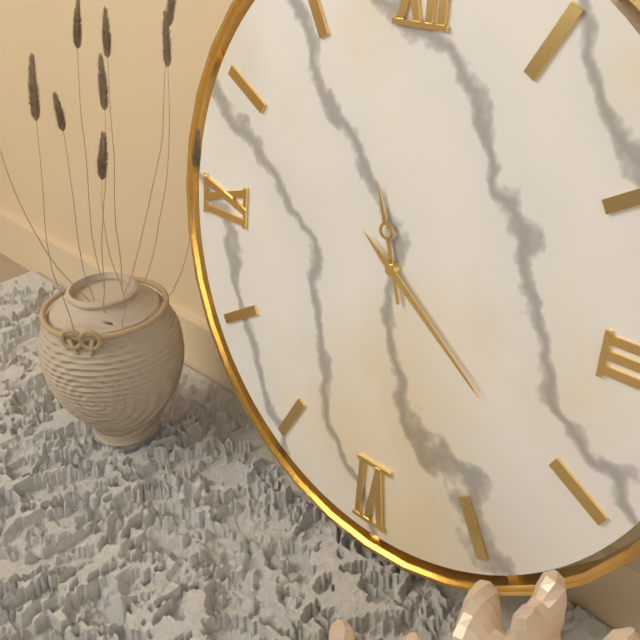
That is **11:21**
